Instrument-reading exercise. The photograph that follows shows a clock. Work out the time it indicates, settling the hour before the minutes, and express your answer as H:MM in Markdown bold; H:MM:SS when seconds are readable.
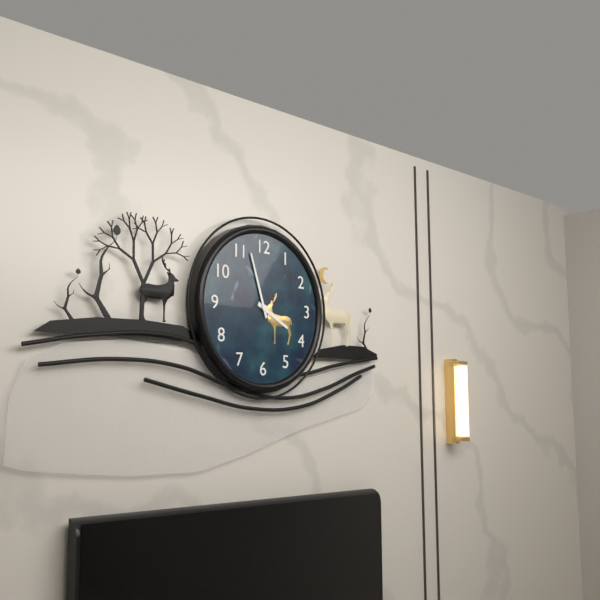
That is **3:57**
